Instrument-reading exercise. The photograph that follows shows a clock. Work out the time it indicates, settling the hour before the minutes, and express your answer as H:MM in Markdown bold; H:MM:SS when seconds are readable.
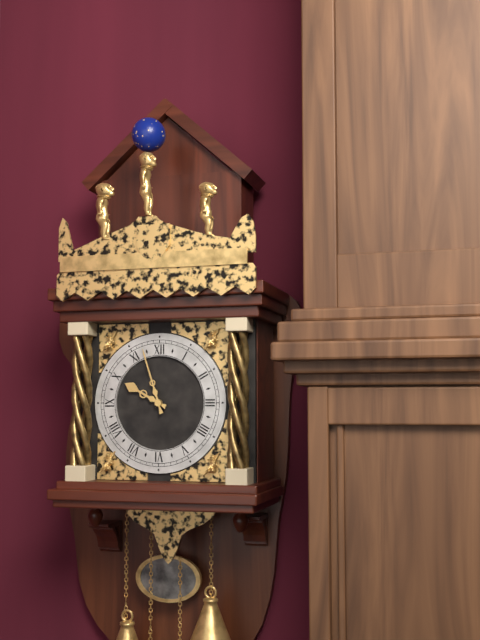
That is **9:57**
